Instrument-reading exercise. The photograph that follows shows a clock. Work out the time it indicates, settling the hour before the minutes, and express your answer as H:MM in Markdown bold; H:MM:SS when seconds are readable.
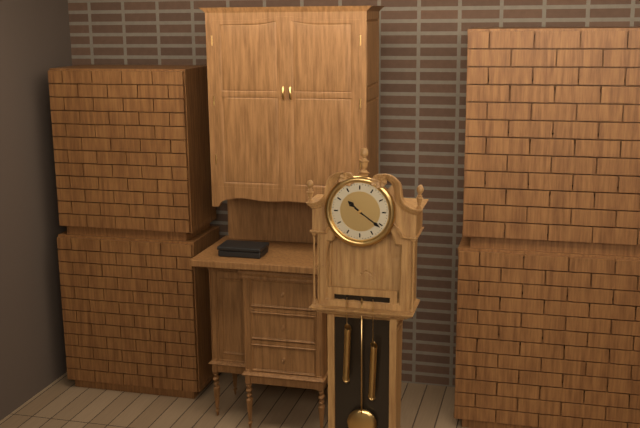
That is **10:21**
